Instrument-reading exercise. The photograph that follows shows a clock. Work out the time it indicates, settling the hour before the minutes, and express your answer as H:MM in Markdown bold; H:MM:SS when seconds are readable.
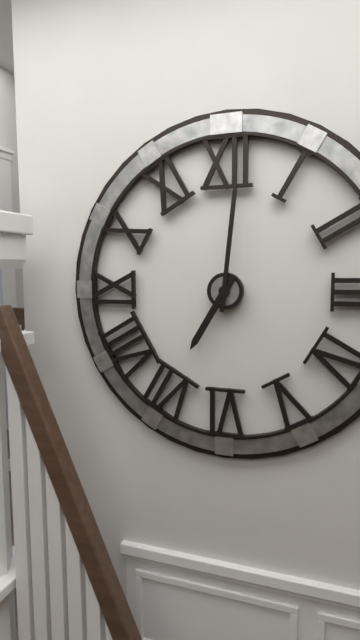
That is **7:01**
